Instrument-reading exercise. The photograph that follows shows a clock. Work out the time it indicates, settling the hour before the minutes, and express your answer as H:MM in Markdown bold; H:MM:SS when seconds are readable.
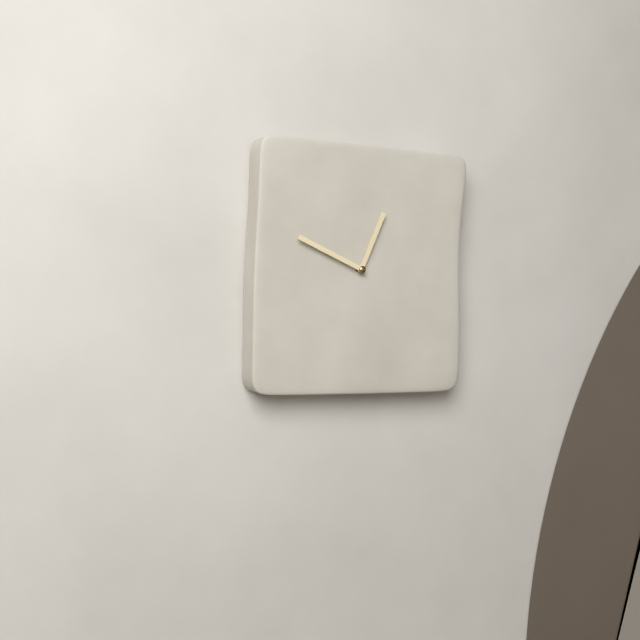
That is **12:49**
